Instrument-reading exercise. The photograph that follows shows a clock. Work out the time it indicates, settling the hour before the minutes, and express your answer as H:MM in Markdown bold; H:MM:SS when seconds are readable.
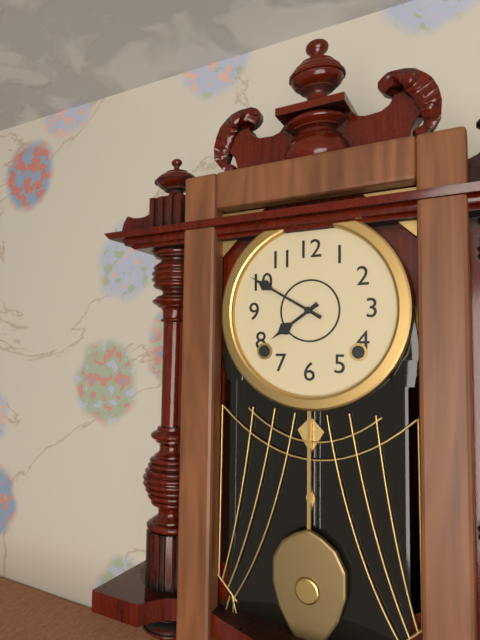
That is **7:50**
